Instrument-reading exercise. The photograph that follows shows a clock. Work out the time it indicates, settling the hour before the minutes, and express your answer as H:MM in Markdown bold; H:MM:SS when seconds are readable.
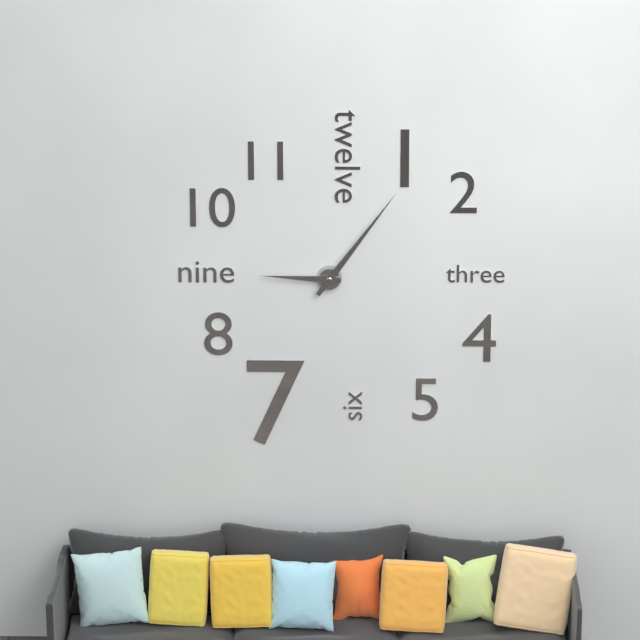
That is **9:06**
